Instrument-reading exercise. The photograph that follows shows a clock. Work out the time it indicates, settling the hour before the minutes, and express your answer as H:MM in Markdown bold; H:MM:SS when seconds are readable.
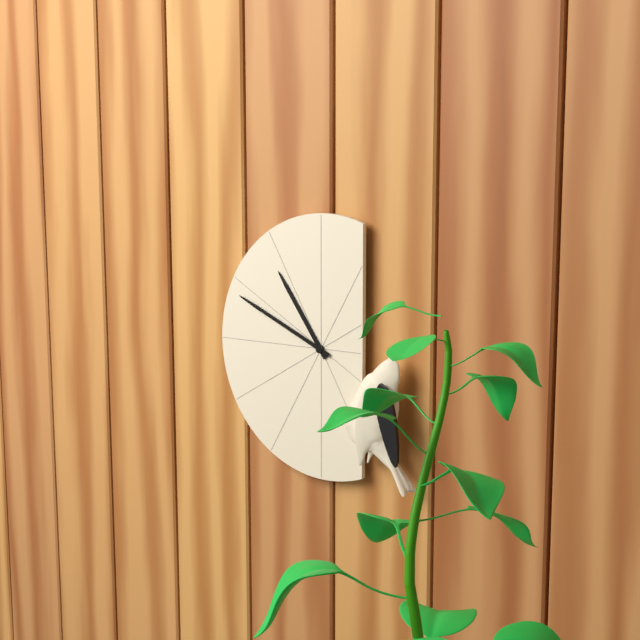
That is **10:49**
